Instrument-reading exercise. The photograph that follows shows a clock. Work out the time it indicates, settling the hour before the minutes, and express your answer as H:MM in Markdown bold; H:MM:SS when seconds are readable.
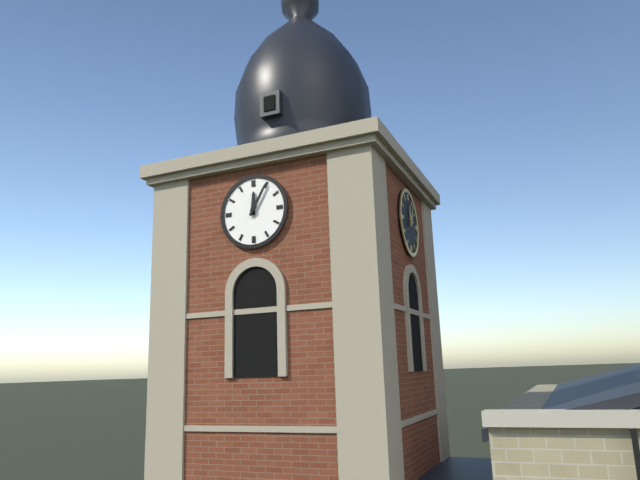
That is **12:05**
